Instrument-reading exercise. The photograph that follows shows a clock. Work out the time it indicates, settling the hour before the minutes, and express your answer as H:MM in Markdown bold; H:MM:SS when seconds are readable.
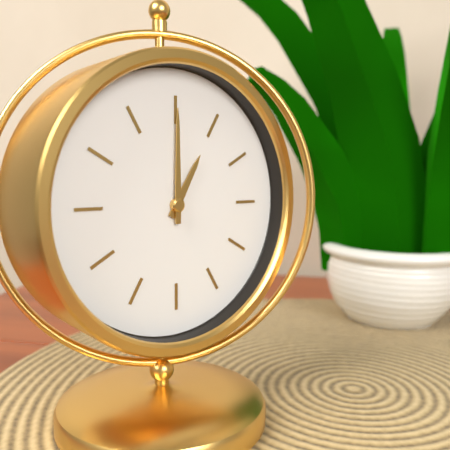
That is **1:00**
